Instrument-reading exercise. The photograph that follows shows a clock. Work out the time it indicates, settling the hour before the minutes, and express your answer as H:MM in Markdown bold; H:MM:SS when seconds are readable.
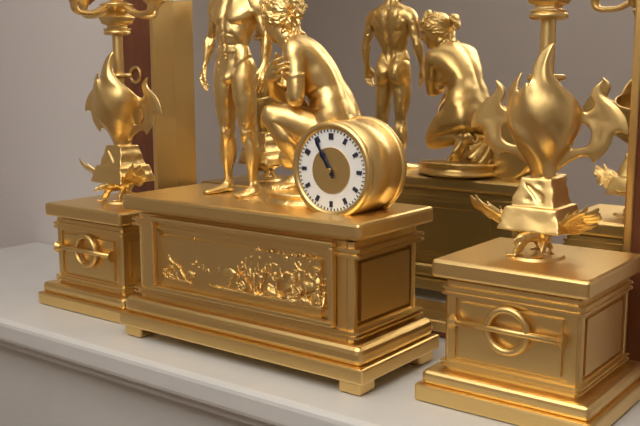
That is **10:55**
